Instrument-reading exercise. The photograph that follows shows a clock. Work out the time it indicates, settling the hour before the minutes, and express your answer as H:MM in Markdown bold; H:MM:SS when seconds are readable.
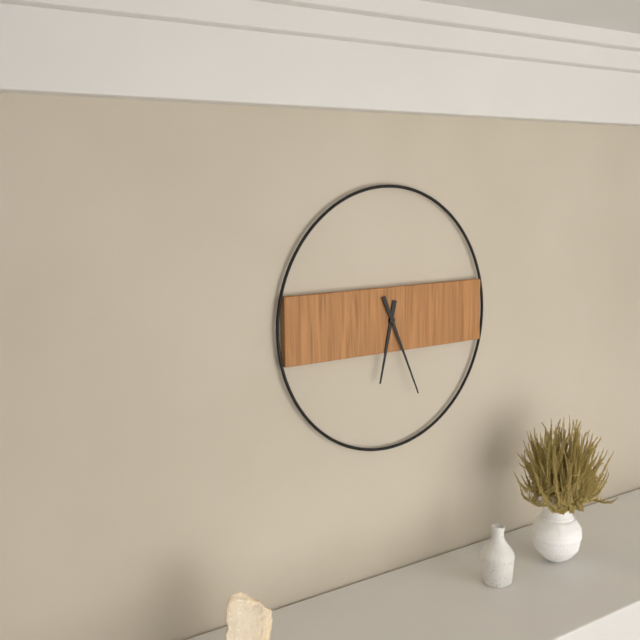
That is **6:26**
